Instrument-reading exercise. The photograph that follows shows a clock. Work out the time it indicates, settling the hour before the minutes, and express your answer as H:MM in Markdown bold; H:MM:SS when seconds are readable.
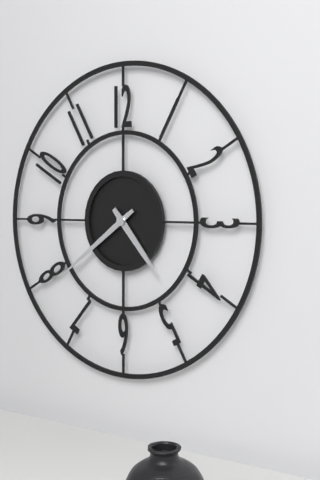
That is **4:39**
